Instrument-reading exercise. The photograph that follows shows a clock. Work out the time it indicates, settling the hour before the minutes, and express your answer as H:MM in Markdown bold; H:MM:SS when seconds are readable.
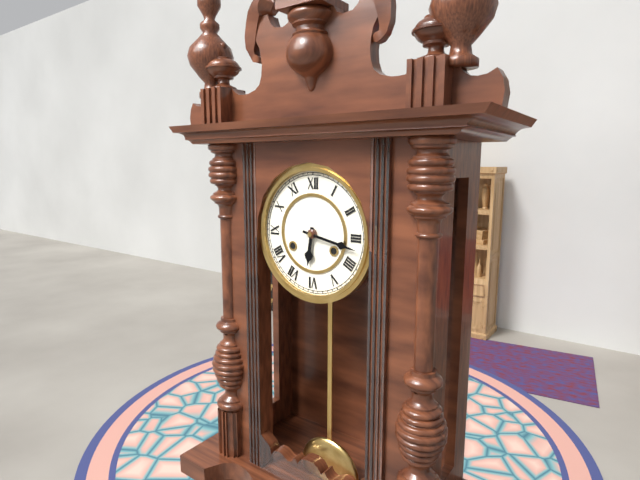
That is **6:17**
